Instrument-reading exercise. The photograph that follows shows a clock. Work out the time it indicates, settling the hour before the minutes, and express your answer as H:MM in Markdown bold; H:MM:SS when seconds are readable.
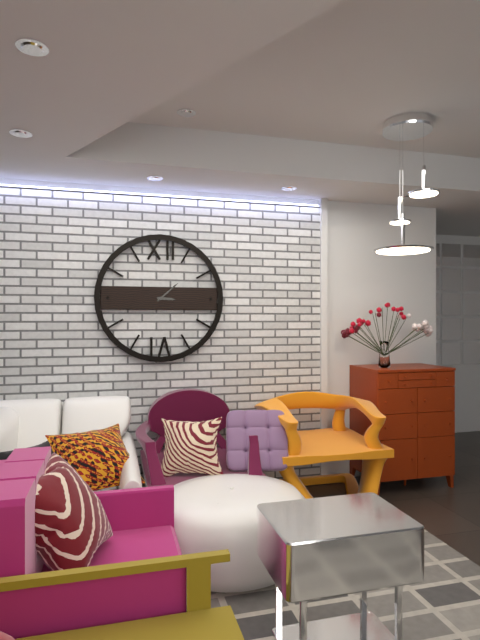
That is **3:08**
